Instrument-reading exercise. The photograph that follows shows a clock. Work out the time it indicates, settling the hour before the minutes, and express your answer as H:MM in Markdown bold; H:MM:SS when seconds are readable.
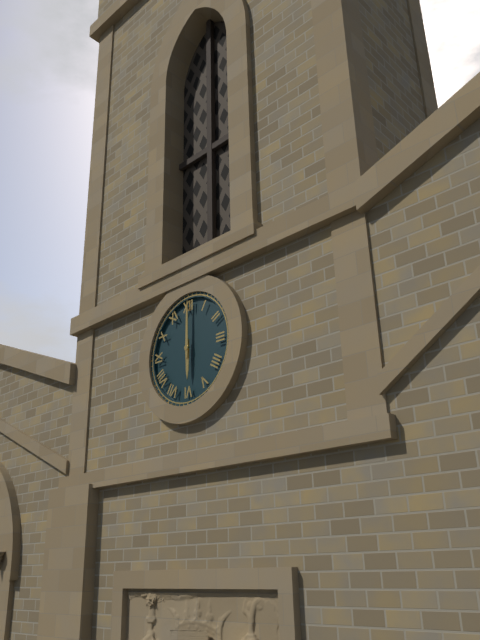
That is **6:00**
